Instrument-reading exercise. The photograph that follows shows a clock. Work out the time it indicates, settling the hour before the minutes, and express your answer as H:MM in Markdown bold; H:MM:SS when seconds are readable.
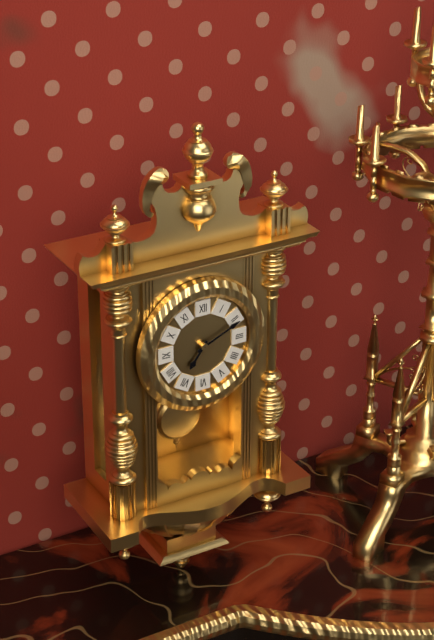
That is **7:11**
